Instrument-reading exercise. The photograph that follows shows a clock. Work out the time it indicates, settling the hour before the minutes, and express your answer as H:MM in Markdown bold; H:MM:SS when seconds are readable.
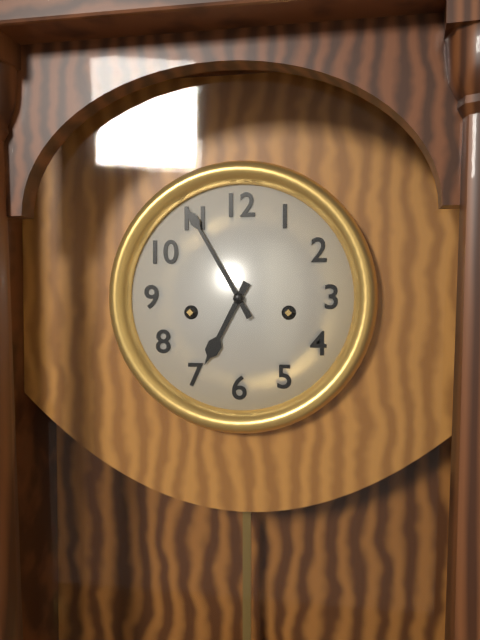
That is **6:55**
